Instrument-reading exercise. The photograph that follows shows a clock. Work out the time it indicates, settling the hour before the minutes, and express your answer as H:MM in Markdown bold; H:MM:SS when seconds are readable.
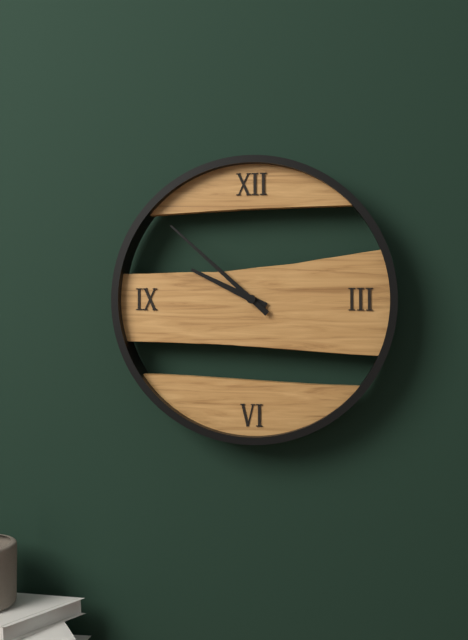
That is **9:52**
